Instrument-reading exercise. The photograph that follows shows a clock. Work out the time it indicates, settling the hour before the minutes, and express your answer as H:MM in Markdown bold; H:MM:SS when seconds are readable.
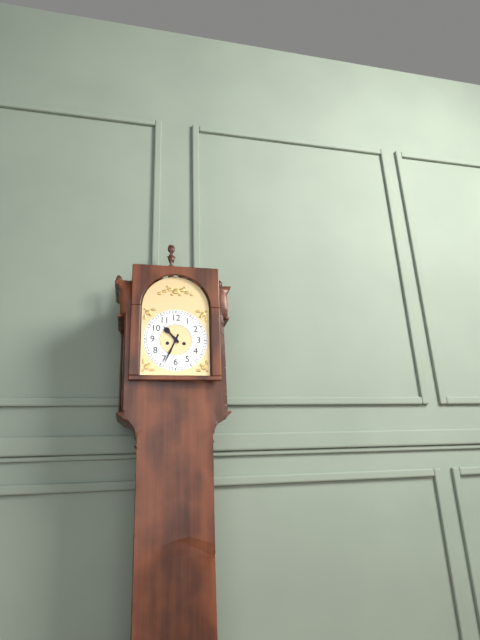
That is **10:34**
